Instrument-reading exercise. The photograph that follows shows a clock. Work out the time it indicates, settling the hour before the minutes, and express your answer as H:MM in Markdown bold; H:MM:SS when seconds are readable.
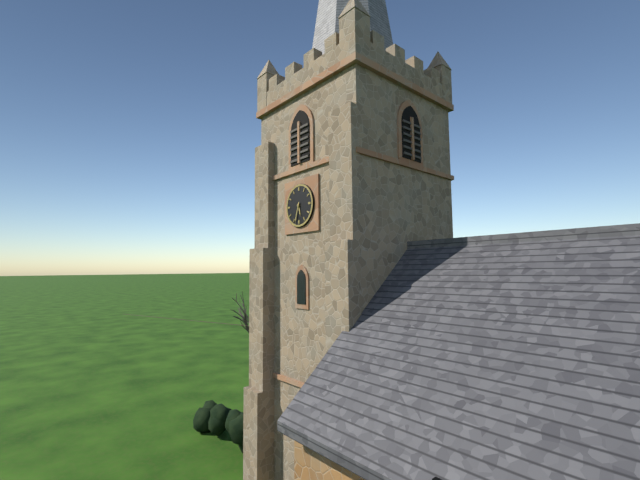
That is **5:33**
